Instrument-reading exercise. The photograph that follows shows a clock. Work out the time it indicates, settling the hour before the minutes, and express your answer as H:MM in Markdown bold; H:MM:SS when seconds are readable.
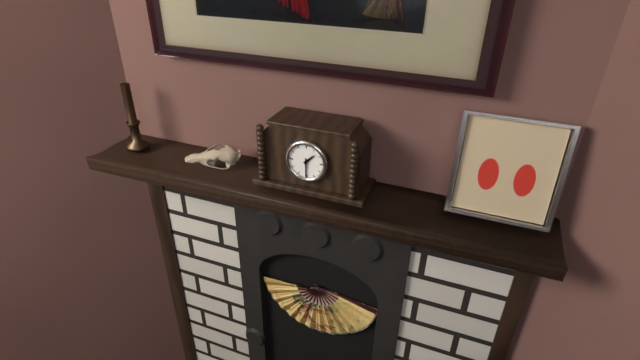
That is **1:30**
